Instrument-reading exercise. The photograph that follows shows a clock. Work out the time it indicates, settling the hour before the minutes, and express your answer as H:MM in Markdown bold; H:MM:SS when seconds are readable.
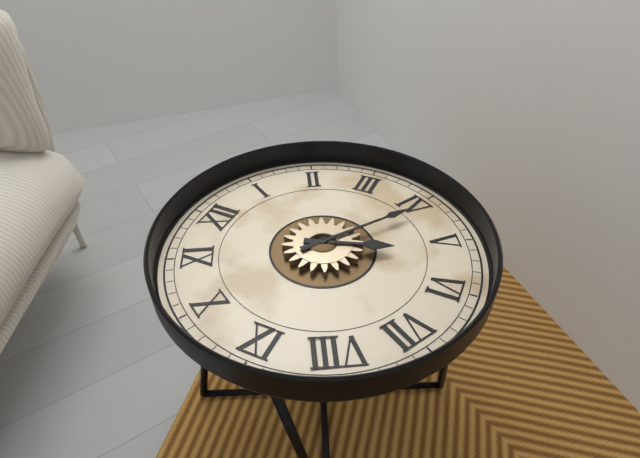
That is **5:21**
